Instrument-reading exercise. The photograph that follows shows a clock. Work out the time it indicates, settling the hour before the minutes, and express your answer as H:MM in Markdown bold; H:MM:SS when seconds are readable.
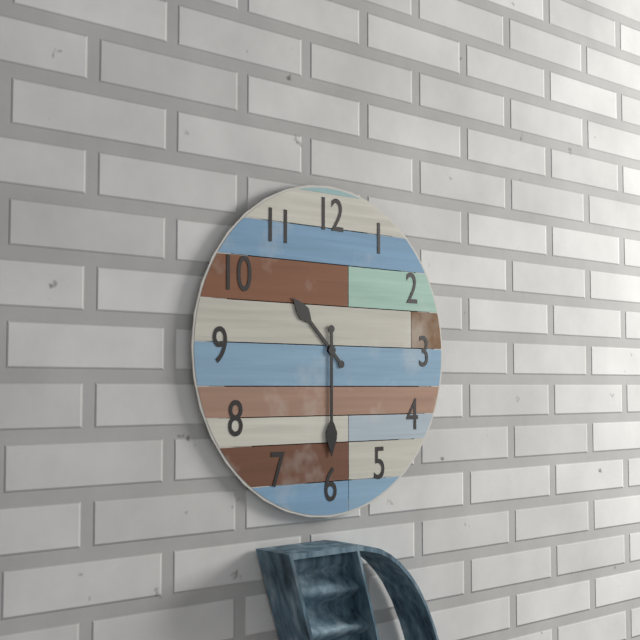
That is **10:30**
